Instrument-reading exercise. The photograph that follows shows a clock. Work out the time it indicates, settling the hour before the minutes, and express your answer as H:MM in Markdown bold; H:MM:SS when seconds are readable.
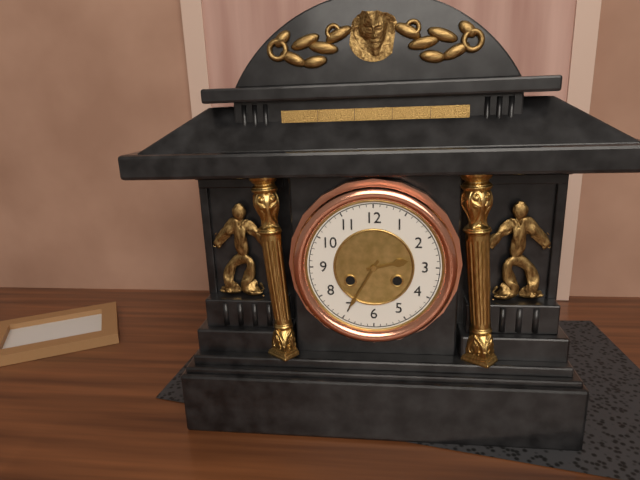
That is **2:35**
